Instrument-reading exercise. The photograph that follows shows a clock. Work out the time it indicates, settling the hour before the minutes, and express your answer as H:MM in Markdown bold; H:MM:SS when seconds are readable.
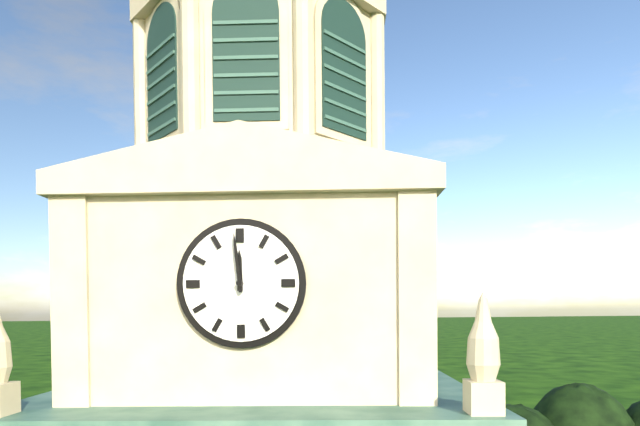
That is **11:59**
